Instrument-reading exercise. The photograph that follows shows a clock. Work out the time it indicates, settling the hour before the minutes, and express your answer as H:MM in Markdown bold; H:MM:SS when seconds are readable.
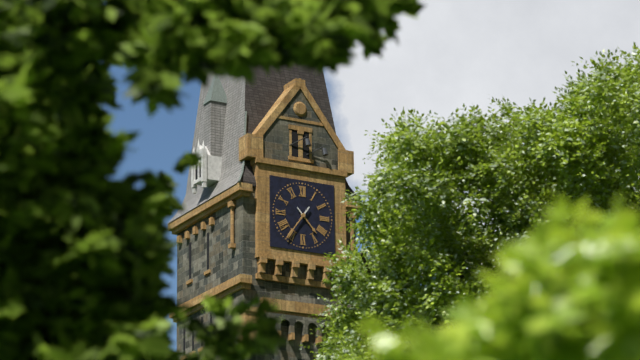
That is **4:36**
